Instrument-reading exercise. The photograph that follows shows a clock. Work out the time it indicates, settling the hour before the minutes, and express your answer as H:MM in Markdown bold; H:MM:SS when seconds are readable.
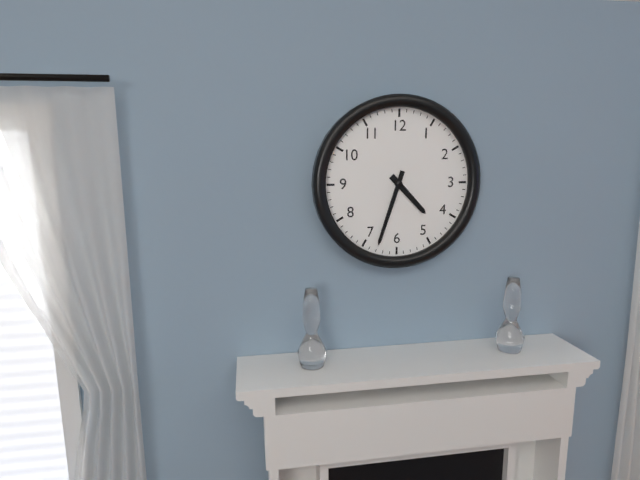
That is **4:33**
